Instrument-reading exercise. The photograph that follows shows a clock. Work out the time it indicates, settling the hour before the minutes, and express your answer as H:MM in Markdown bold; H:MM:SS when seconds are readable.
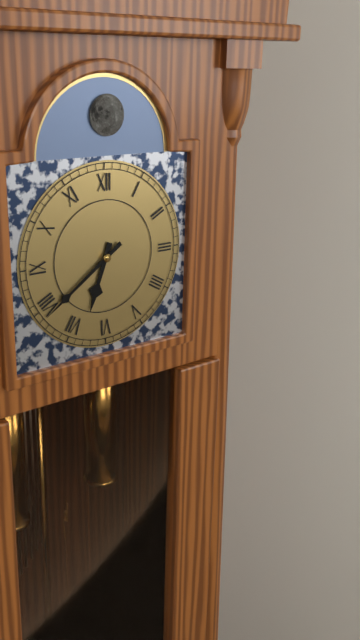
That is **6:39**
